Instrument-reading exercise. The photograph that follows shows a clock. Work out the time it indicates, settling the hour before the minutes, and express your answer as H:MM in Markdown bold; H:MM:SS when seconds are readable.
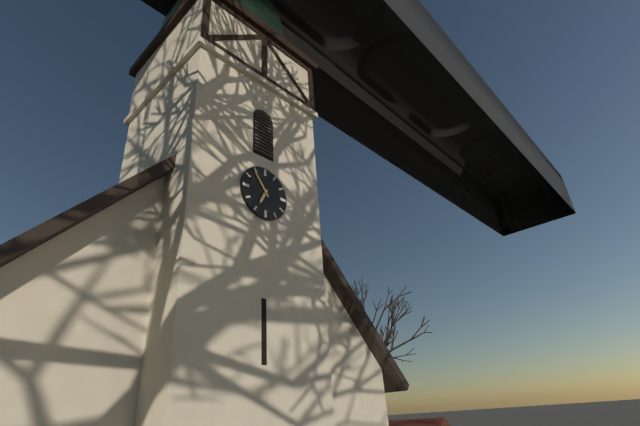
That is **6:54**
